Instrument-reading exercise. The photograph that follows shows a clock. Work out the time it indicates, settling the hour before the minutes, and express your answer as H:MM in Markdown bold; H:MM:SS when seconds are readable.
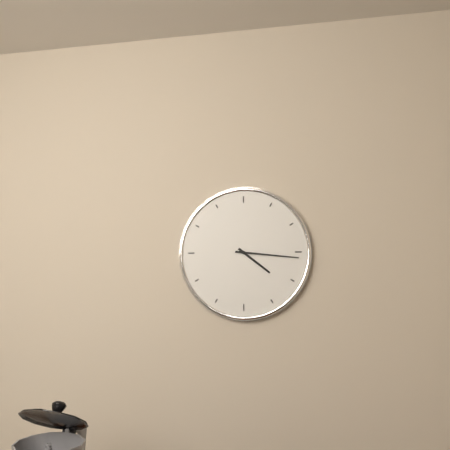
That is **4:16**
